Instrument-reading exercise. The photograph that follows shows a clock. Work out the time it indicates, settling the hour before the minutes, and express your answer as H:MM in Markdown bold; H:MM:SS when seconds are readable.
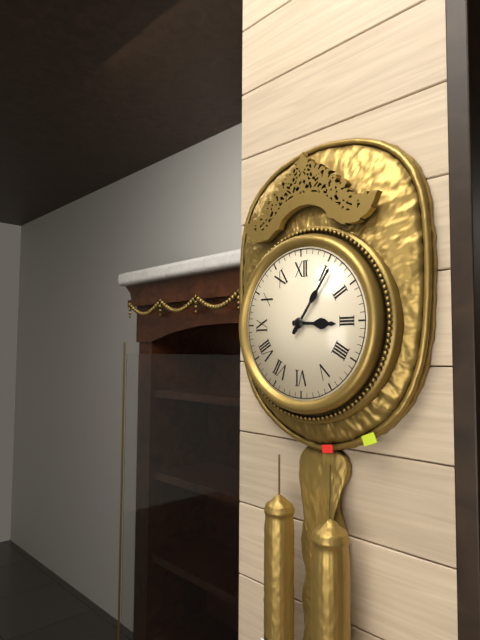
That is **3:06**
